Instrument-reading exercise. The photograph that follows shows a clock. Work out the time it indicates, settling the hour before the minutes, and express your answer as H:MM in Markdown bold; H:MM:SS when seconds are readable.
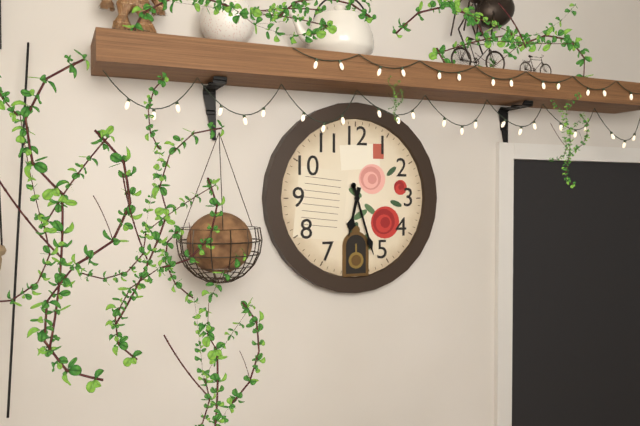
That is **6:27**
